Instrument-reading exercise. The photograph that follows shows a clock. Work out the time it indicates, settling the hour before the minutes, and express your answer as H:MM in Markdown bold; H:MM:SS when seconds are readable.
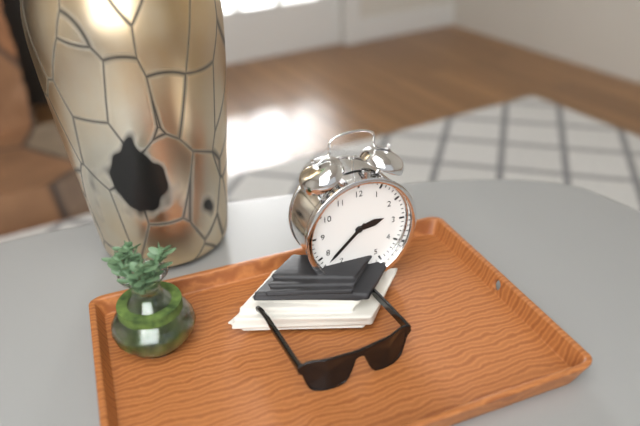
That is **2:38**
